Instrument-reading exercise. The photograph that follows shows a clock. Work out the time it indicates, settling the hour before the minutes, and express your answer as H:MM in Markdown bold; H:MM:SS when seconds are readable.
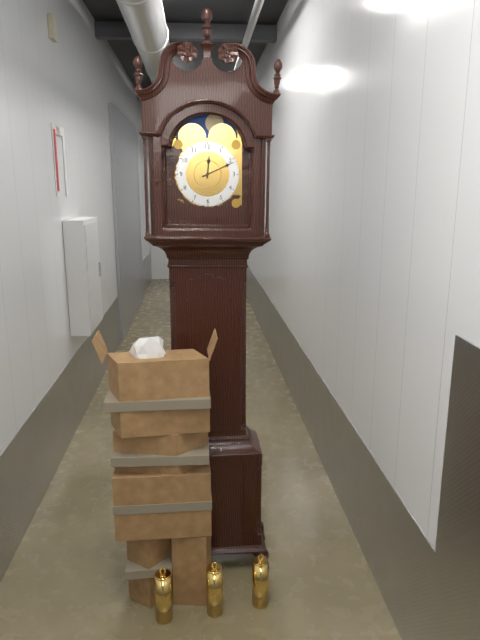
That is **12:11**
